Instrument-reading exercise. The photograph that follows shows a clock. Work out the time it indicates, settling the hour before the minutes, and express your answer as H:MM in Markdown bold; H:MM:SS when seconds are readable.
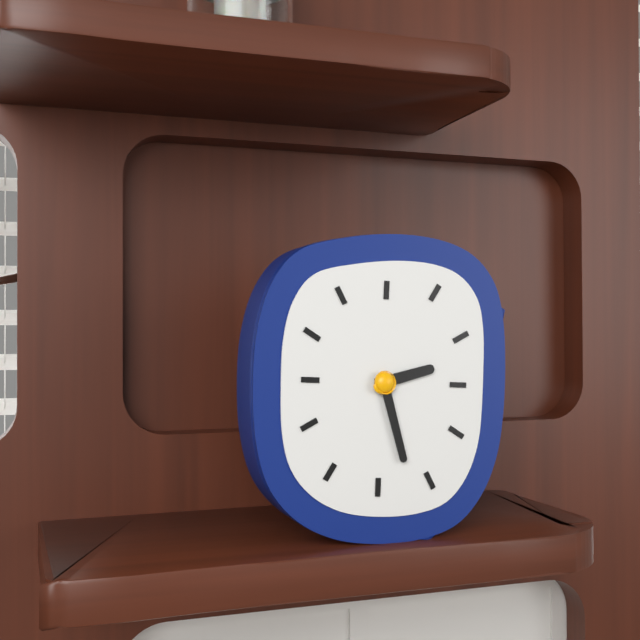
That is **2:27**
